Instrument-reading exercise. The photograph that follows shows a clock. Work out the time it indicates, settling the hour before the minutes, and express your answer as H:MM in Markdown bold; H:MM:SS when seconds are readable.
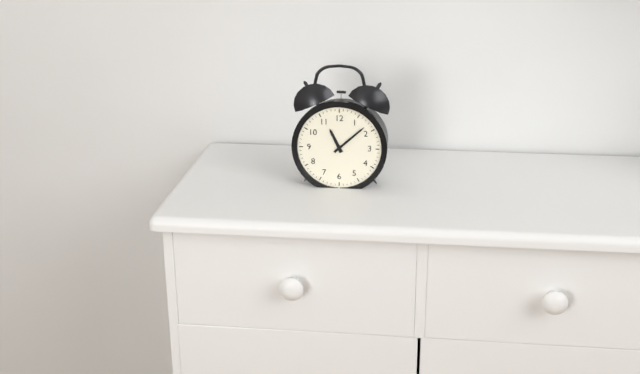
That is **11:08**
